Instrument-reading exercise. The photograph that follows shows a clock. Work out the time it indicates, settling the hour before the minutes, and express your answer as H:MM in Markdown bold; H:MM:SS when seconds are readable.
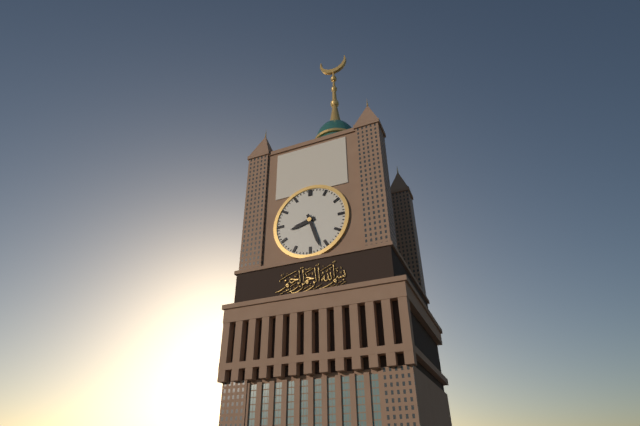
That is **8:27**
